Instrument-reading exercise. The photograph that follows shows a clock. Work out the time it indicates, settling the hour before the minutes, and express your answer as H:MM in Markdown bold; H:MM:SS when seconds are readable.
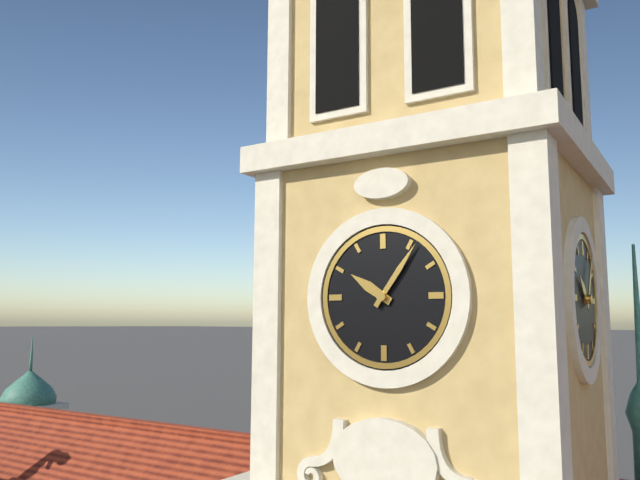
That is **10:06**
